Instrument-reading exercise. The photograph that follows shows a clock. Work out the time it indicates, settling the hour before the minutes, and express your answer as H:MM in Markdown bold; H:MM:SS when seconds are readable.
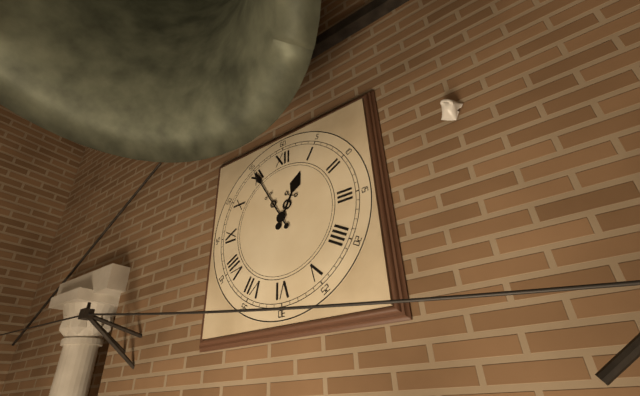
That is **12:55**
